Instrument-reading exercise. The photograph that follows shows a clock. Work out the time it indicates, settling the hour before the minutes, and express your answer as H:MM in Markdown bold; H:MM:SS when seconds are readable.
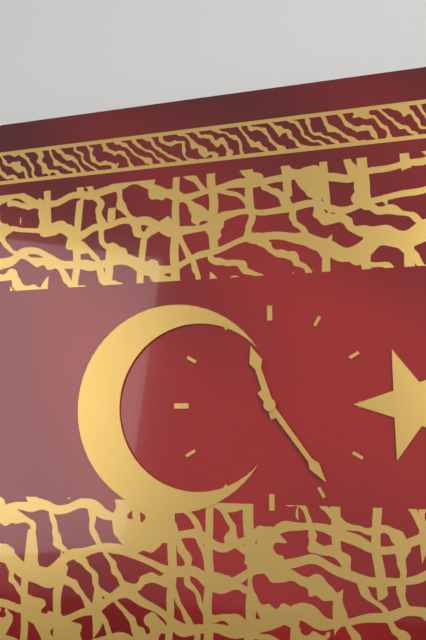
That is **11:24**
